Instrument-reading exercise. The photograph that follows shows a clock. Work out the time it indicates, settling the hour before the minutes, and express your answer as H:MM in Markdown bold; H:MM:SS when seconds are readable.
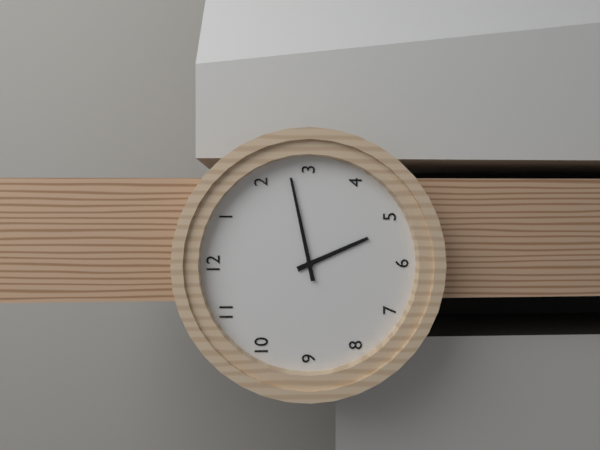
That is **5:13**
